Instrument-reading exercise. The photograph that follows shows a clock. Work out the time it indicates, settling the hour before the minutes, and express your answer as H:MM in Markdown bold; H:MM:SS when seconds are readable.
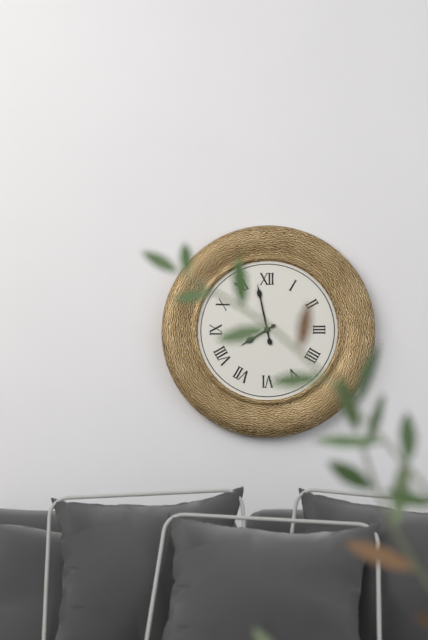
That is **7:58**
